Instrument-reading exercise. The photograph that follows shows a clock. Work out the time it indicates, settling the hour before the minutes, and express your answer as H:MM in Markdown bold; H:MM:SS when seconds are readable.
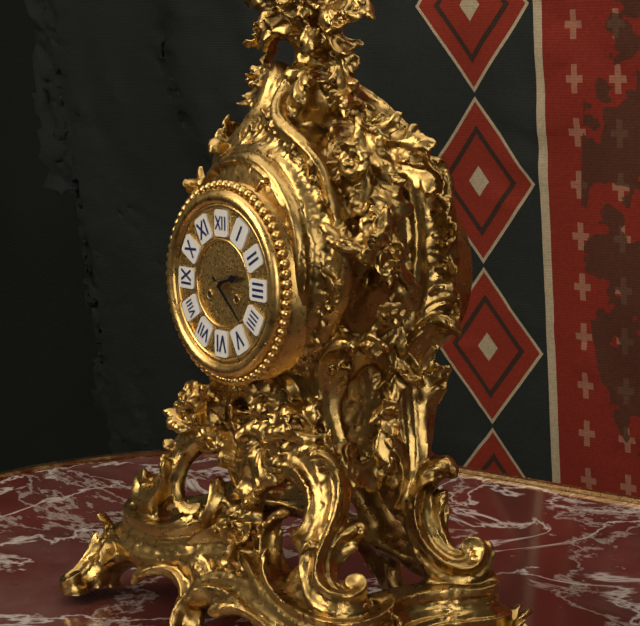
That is **2:22**
